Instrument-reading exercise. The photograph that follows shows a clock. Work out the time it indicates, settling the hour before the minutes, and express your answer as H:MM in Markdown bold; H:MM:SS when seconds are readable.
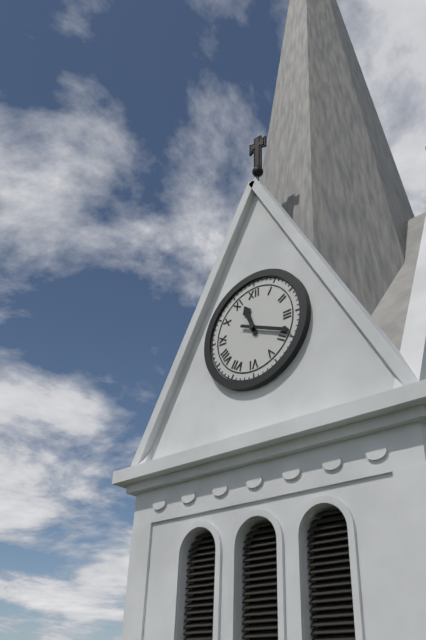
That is **11:19**
